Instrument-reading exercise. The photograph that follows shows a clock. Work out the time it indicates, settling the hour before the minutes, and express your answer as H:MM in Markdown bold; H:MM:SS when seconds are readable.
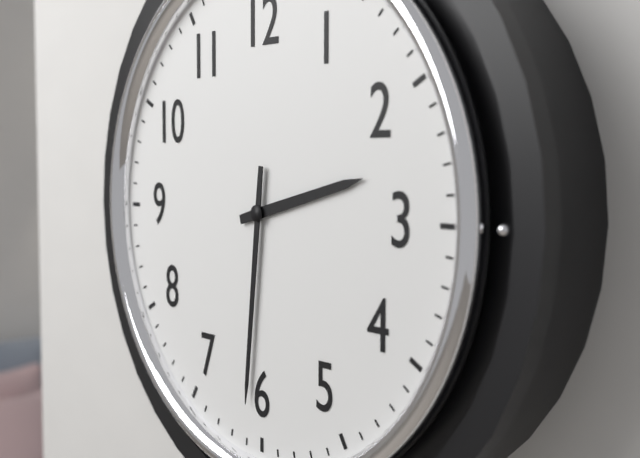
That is **2:31**
